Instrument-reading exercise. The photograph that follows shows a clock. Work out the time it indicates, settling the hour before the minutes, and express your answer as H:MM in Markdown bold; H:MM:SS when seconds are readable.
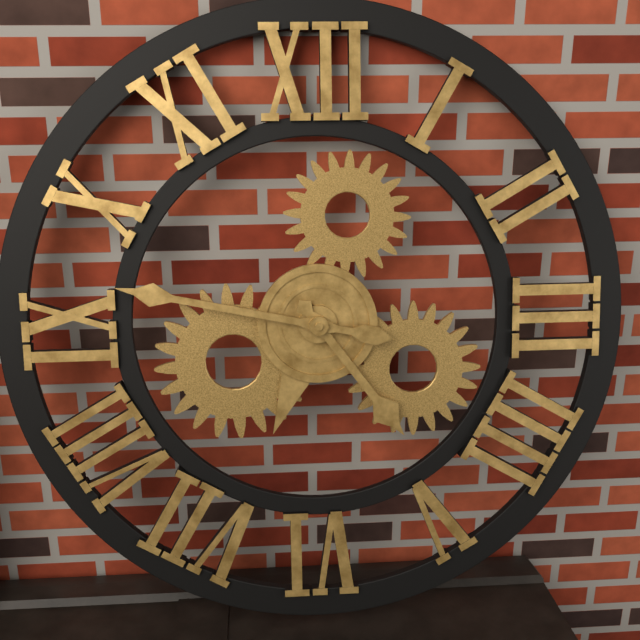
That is **4:47**
